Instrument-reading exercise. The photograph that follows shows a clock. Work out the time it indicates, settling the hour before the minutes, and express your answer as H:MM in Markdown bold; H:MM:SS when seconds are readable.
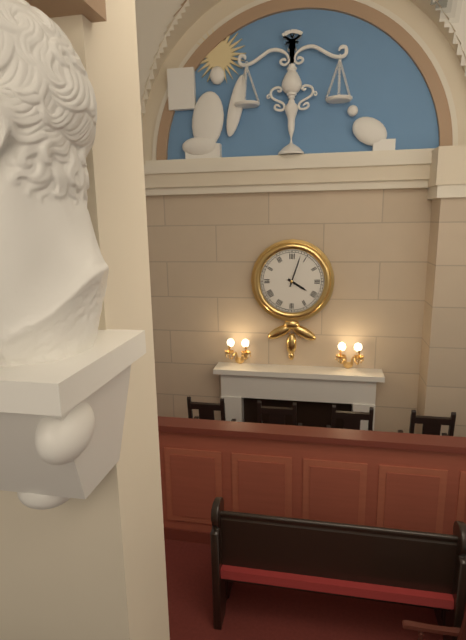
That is **4:03**
